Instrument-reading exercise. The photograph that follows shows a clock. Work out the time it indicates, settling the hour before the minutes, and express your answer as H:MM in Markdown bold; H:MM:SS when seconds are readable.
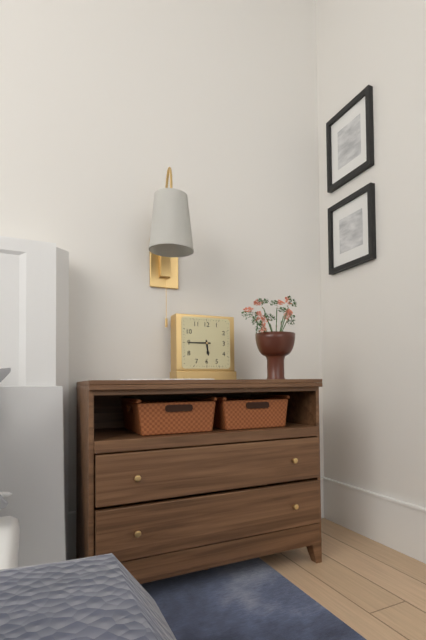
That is **5:45**
